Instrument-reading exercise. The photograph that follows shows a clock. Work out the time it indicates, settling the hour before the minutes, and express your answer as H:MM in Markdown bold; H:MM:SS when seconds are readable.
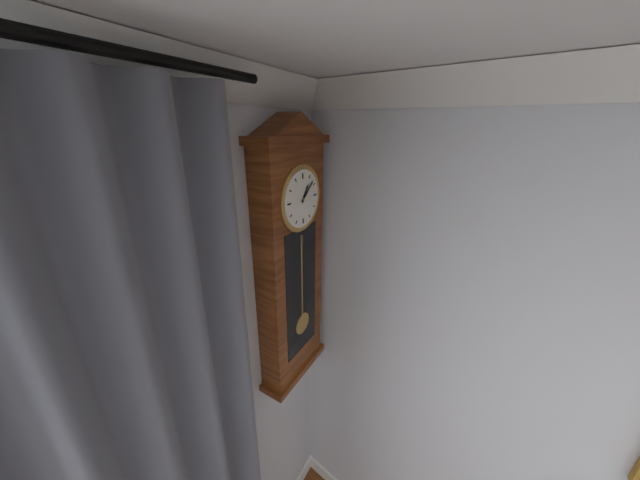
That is **1:08**
